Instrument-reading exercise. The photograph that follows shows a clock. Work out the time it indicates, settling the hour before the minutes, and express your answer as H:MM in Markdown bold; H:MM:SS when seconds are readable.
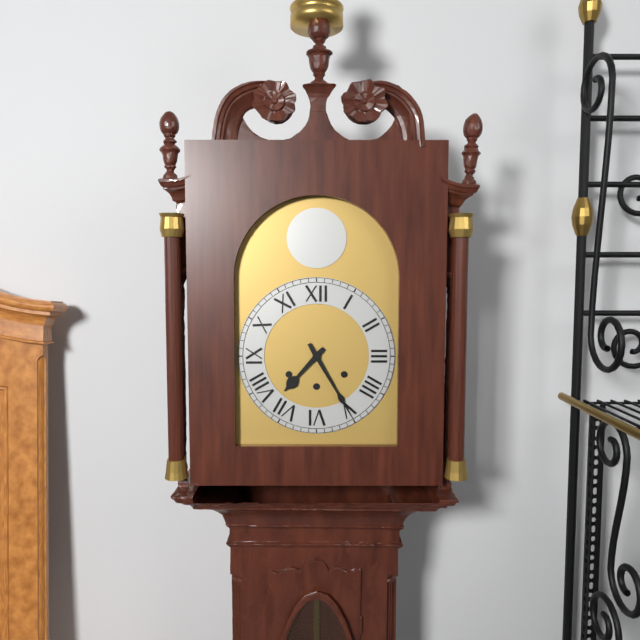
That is **7:25**
